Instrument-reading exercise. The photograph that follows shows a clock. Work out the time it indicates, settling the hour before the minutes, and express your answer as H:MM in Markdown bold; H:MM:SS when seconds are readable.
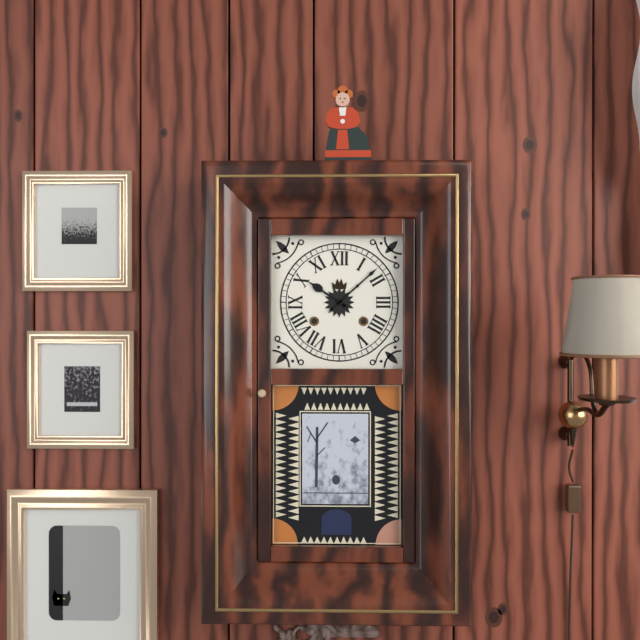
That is **10:08**
